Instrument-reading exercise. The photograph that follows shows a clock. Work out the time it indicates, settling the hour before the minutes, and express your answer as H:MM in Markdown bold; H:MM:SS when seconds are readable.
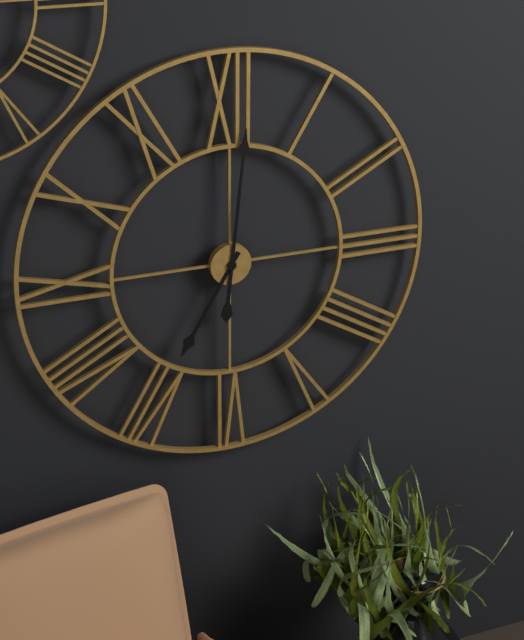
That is **7:01**
